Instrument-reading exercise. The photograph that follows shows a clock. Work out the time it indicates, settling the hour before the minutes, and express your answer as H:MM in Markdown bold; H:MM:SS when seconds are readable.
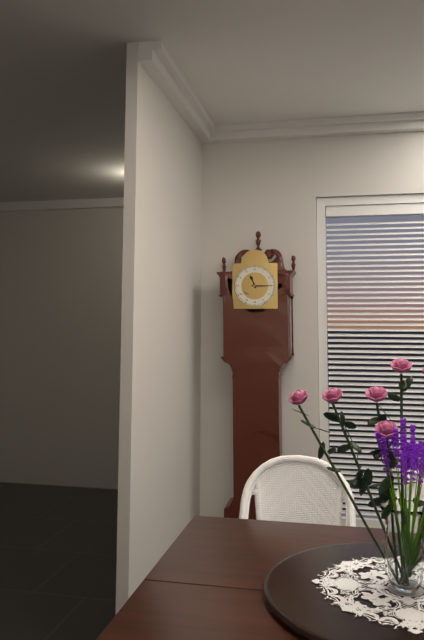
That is **11:15**
